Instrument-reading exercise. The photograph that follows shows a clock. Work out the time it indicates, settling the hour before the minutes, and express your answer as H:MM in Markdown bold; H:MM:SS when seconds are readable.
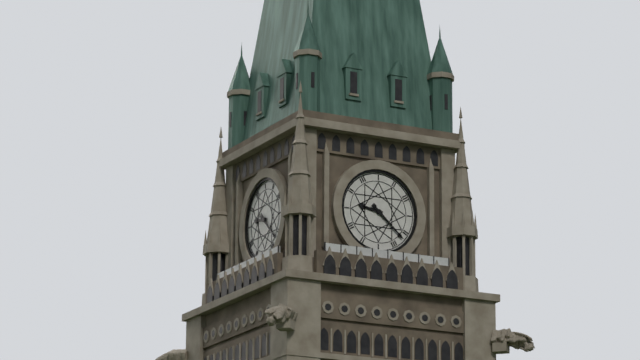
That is **9:22**
